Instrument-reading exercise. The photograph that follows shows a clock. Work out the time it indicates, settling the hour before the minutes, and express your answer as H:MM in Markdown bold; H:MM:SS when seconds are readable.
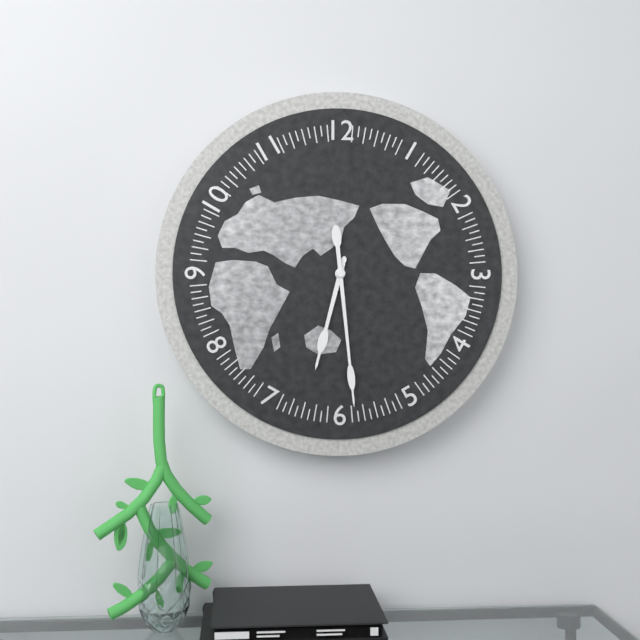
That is **6:29**
